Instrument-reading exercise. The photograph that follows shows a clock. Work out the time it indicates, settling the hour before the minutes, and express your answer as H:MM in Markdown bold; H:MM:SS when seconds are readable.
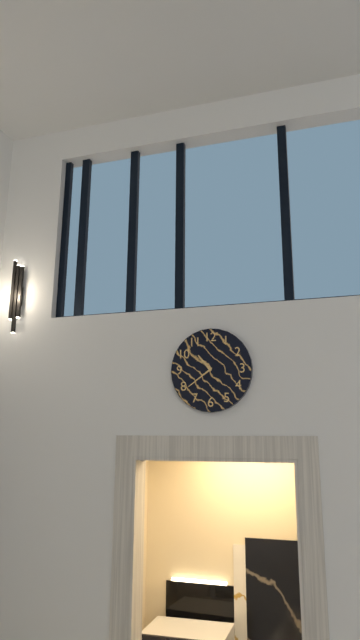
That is **10:39**
